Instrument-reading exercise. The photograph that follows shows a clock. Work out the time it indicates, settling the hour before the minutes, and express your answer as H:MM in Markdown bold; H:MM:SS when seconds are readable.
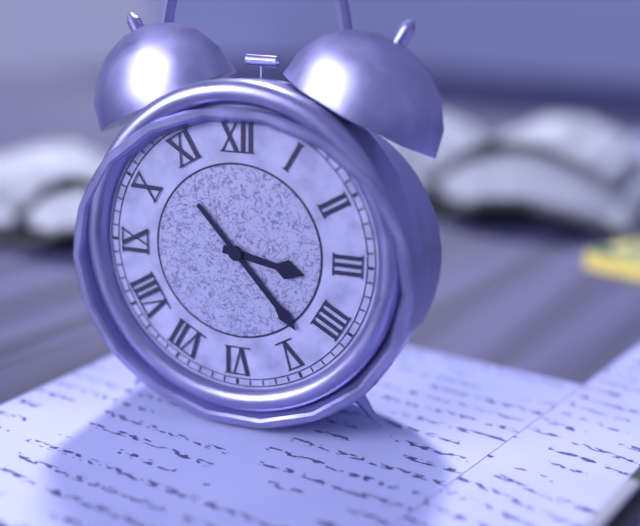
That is **3:23**
